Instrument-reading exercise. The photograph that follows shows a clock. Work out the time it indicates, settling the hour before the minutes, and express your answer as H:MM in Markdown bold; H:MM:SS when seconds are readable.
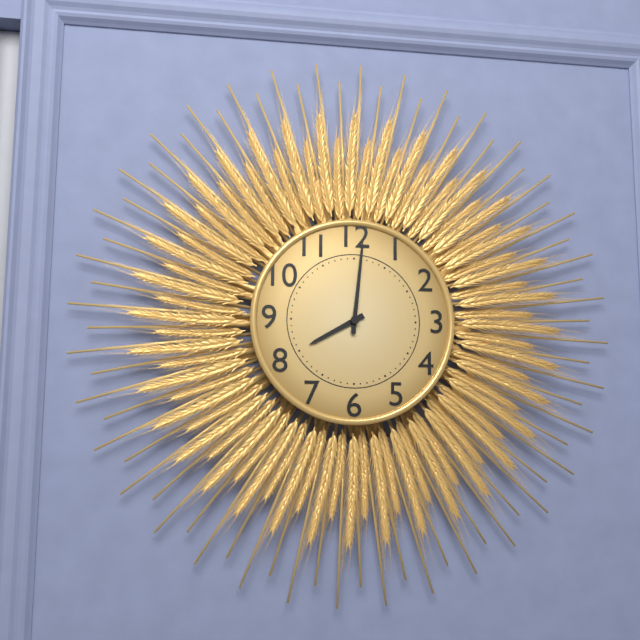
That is **8:01**
